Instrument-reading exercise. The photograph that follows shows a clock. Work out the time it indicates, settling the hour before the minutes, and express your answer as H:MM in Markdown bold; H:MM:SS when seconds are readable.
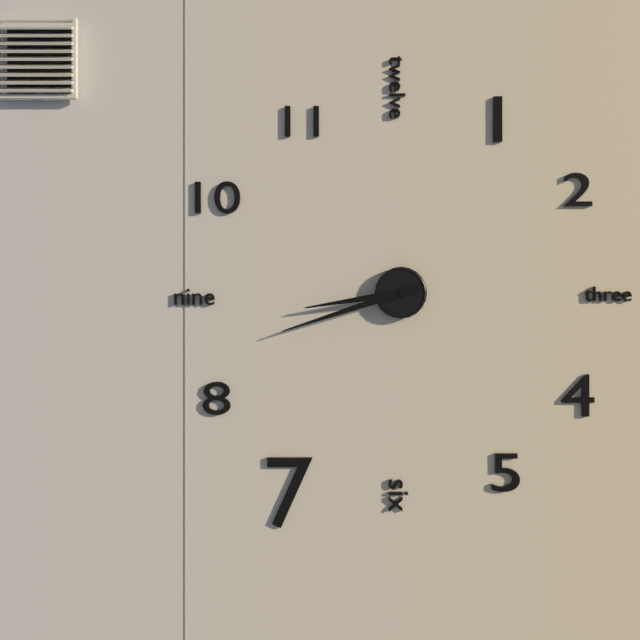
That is **8:42**
